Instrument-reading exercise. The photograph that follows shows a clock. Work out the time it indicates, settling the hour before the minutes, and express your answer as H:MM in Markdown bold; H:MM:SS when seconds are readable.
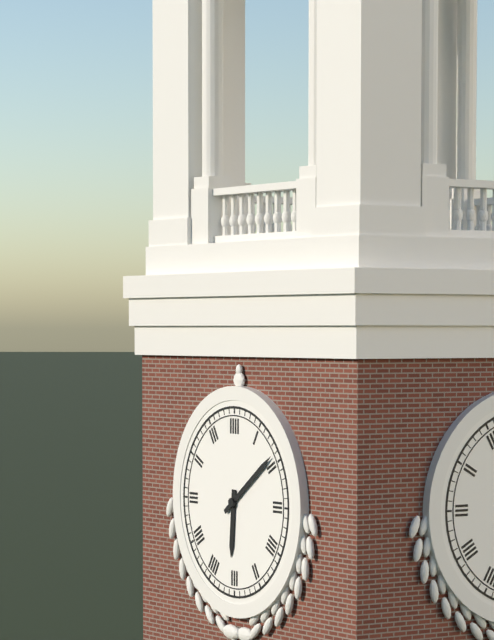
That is **6:09**
